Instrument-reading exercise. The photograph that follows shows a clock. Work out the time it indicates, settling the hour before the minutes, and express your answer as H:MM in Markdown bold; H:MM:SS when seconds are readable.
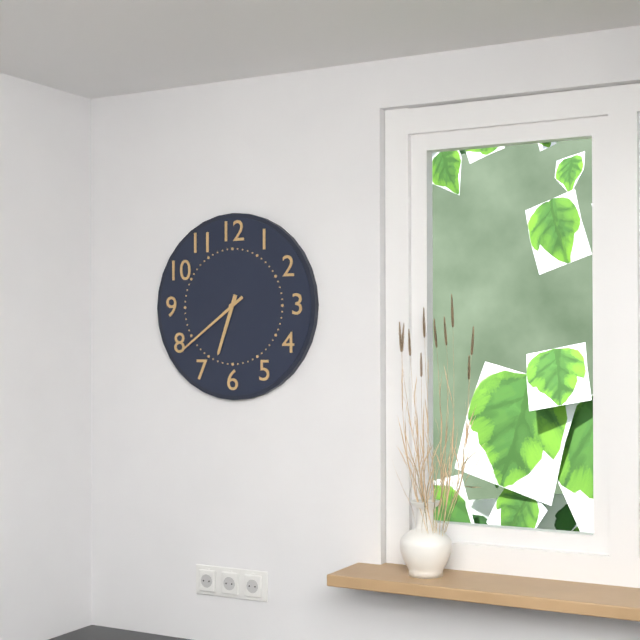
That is **6:39**
